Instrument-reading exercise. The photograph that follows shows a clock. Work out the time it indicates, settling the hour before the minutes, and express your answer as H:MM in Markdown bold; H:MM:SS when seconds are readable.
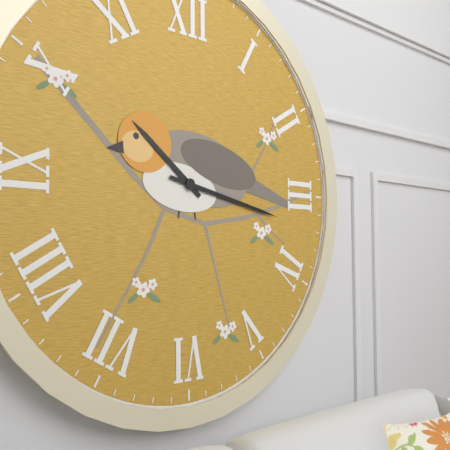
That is **10:17**
